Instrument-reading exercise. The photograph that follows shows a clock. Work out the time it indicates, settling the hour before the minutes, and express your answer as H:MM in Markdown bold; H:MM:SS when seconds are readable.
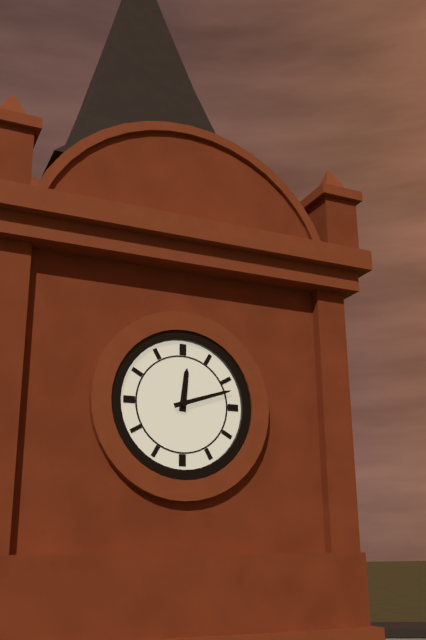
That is **12:12**
